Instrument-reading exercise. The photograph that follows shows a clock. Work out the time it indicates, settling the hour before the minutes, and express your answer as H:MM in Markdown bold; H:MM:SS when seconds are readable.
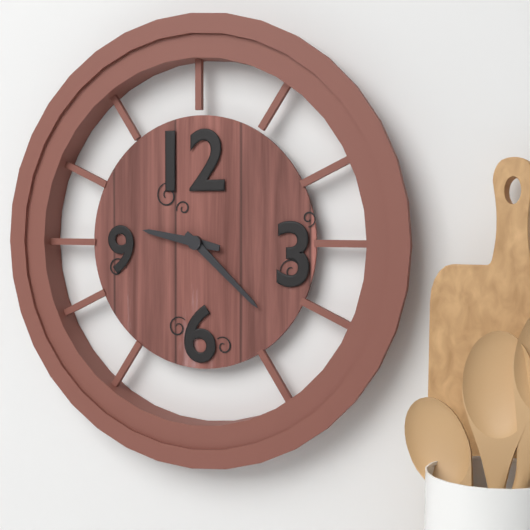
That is **9:22**
